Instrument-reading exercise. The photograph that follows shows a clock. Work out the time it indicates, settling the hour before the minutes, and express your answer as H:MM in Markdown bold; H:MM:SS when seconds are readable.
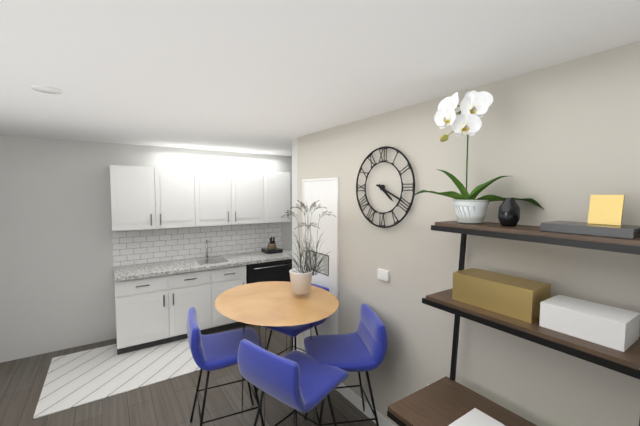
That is **4:19**
